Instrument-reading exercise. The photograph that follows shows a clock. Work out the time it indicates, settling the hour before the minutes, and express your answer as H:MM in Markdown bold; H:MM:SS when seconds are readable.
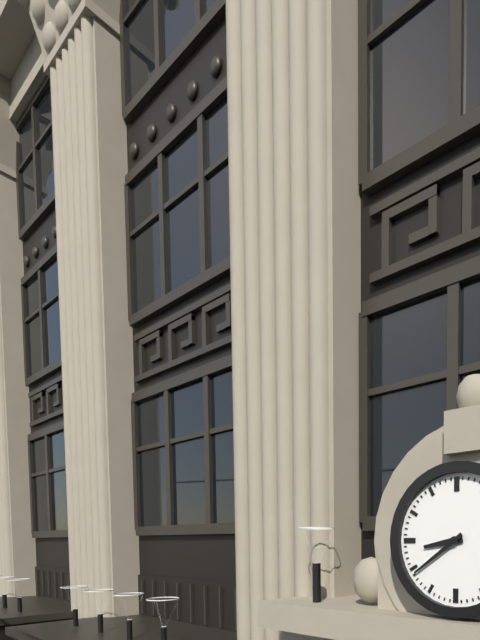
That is **8:39**
